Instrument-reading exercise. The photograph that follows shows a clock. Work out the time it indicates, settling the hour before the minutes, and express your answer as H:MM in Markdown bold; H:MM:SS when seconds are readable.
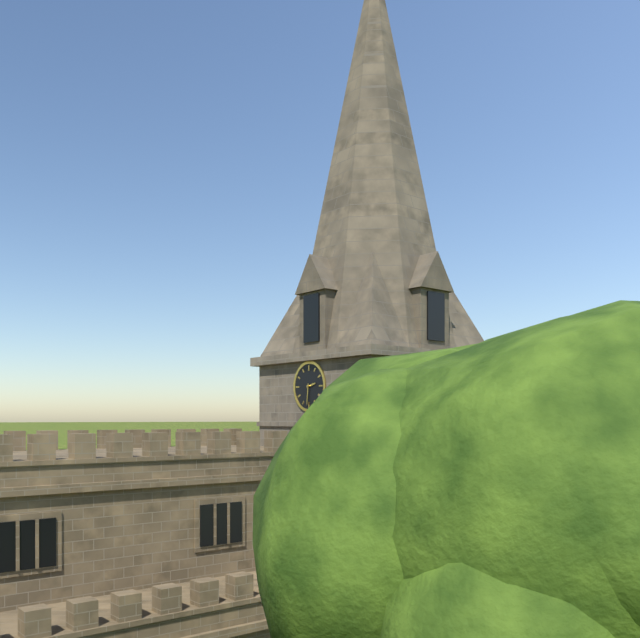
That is **2:31**
